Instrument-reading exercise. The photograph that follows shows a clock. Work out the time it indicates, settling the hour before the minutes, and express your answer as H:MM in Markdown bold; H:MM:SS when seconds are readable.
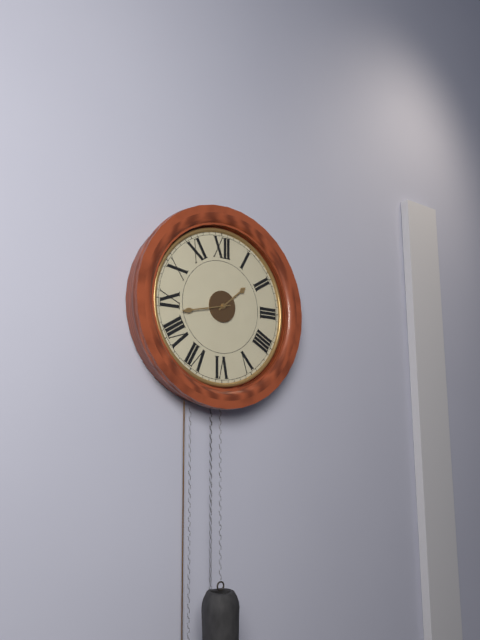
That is **1:43**
